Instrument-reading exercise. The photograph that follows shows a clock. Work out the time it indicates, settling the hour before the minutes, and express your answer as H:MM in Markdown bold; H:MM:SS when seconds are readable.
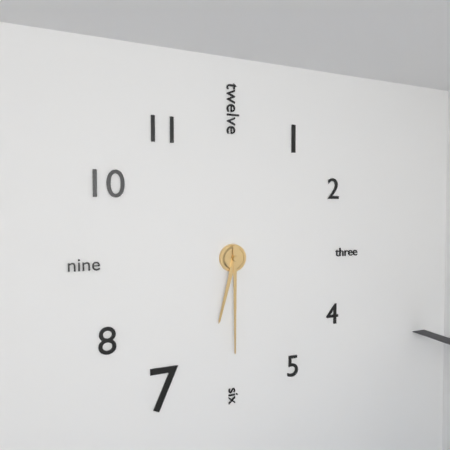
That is **6:30**
